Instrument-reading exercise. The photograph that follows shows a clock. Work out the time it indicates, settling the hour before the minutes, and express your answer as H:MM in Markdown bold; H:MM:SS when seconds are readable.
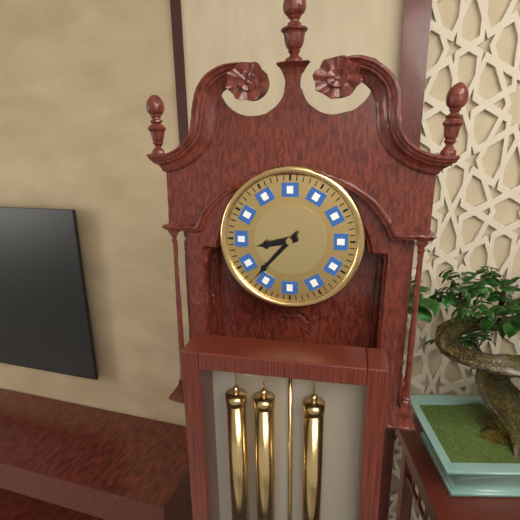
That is **8:37**
